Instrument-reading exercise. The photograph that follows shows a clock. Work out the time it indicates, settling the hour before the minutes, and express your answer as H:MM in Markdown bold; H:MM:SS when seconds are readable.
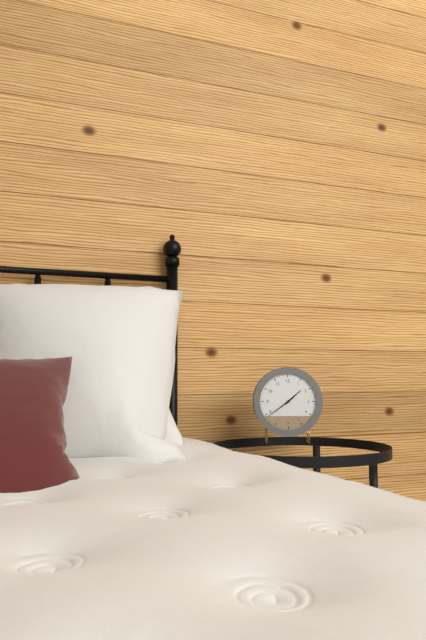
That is **1:39**
